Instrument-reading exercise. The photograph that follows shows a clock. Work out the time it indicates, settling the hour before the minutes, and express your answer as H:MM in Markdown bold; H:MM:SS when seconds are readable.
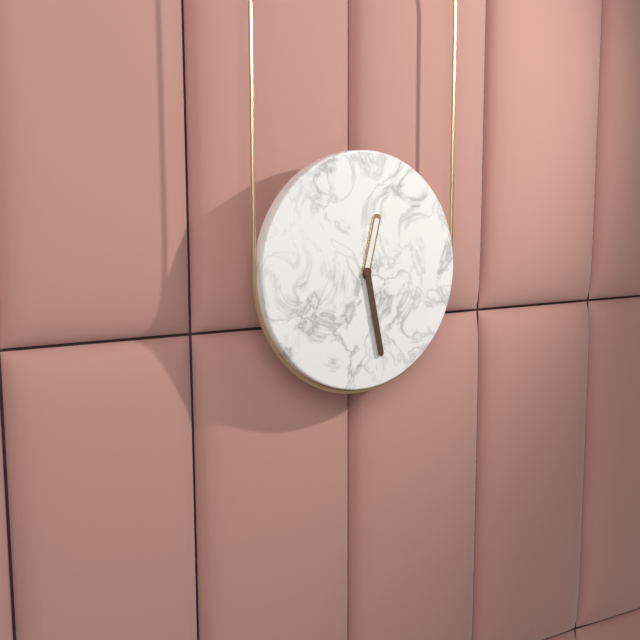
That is **12:28**
